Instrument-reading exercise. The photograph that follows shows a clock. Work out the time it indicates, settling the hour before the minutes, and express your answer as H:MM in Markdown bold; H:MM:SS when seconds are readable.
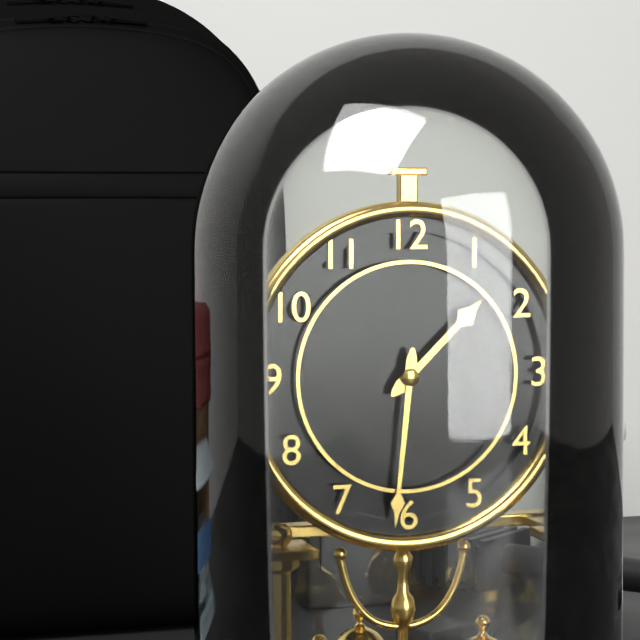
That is **1:31**
